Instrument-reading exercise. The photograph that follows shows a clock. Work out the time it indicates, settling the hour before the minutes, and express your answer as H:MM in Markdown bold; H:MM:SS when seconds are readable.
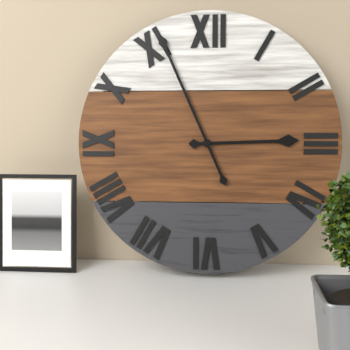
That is **2:56**
